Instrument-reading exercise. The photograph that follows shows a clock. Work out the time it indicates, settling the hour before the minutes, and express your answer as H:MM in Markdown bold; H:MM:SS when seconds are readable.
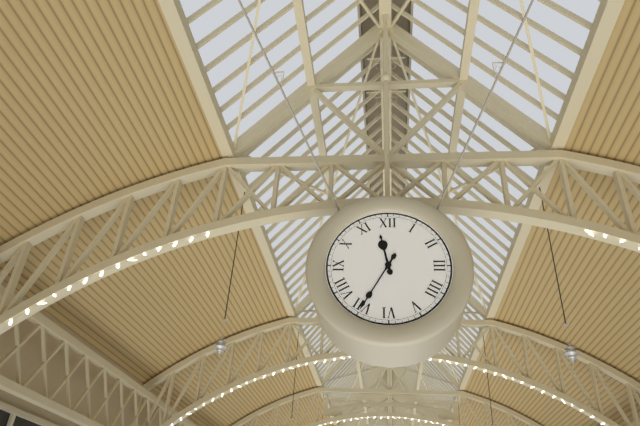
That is **11:35**
